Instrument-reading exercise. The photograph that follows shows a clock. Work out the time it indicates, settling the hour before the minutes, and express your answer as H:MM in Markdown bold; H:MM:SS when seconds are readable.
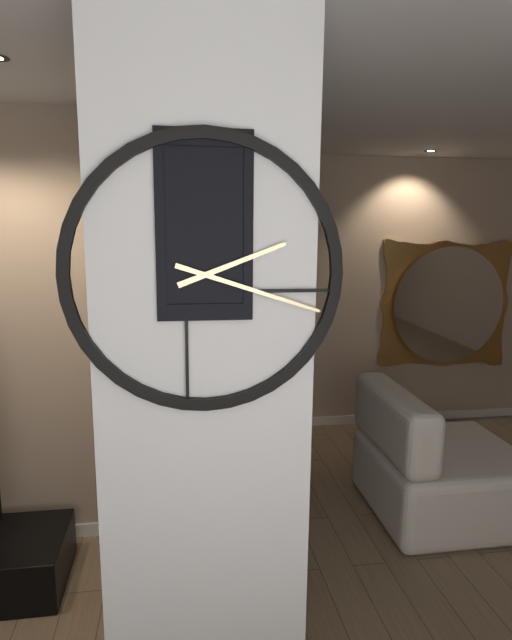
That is **2:18**
